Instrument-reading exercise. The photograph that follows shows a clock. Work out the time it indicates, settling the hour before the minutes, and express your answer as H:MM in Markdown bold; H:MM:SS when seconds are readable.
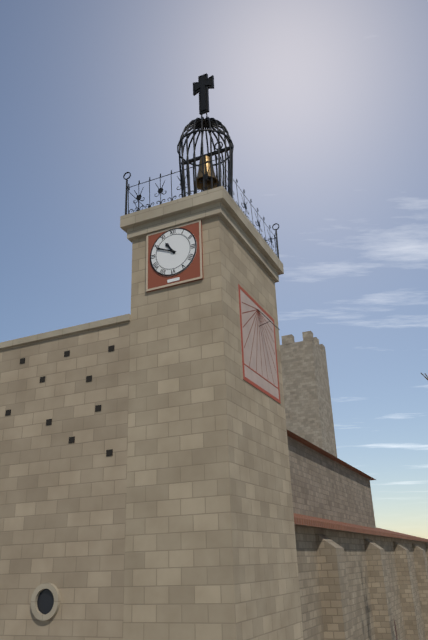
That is **10:49**
